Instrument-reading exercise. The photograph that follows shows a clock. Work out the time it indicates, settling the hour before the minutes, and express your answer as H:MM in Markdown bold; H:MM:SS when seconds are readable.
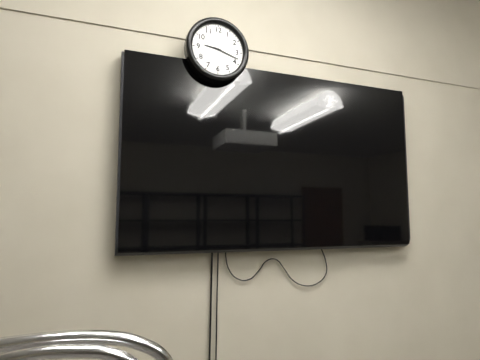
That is **9:18**
